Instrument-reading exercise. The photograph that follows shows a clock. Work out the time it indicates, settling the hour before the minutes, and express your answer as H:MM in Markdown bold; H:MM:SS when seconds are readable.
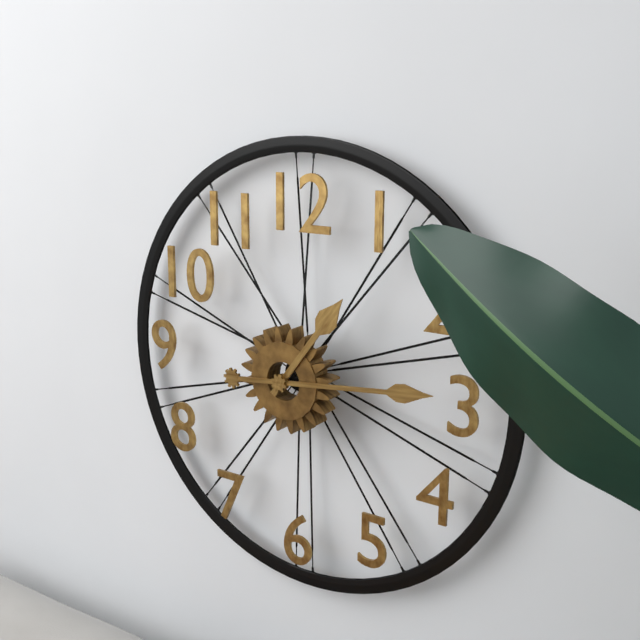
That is **1:14**
